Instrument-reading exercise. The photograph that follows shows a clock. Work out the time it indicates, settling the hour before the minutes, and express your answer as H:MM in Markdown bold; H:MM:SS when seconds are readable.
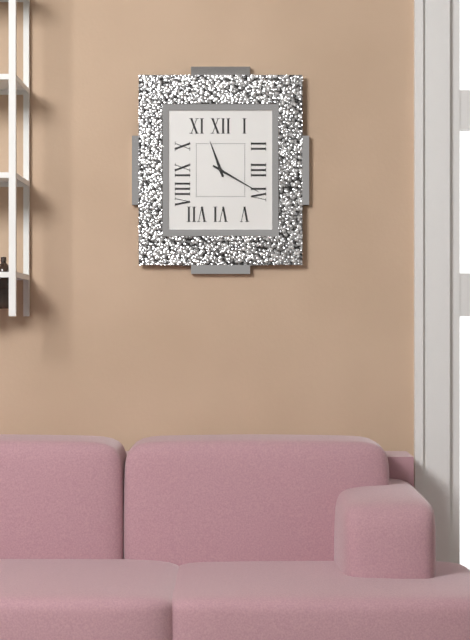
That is **11:20**
